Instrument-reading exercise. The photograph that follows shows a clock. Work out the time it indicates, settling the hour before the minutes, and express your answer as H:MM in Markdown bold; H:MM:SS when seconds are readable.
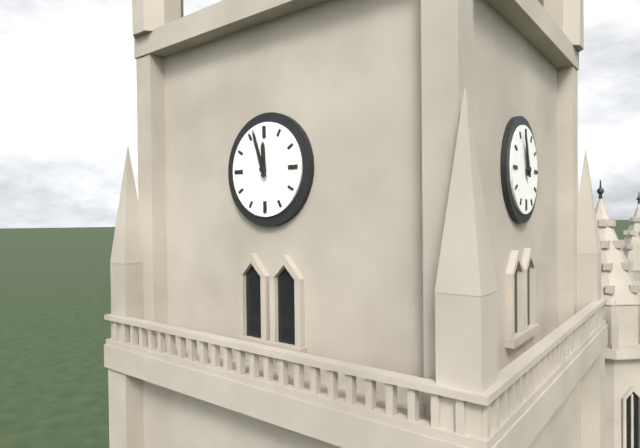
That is **11:57**
